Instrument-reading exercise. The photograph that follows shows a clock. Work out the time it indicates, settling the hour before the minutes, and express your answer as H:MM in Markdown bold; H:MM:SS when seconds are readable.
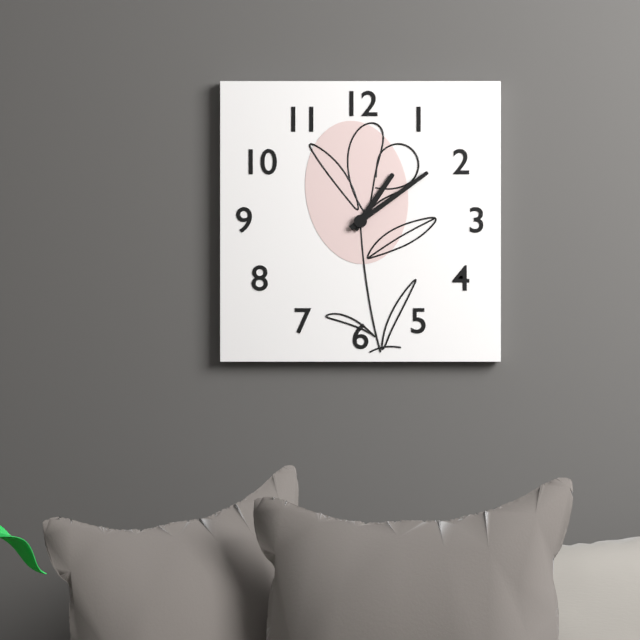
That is **1:09**
